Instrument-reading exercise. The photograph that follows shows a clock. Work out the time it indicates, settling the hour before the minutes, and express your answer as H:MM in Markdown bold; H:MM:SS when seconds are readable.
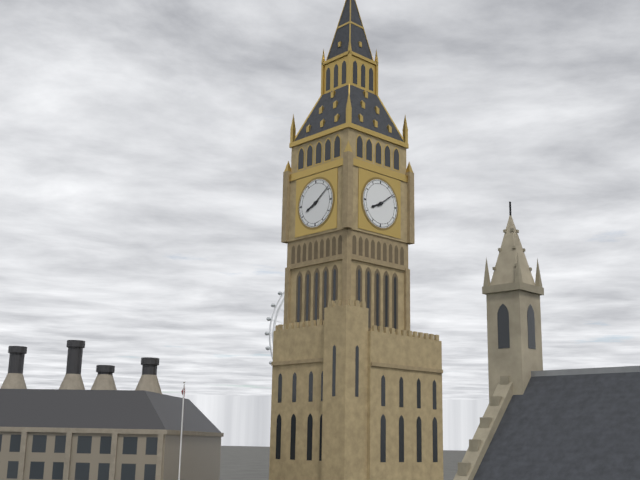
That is **8:09**
